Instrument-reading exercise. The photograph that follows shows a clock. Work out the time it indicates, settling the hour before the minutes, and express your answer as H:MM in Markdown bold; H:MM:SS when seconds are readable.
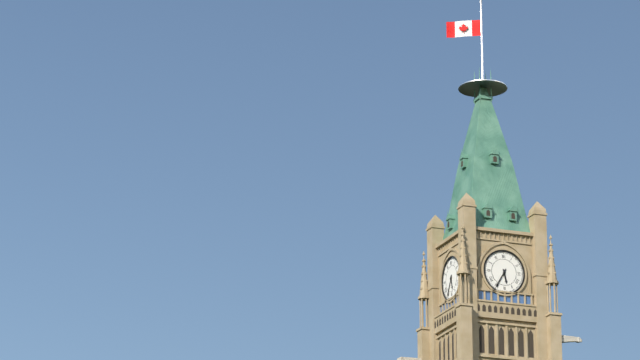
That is **5:35**
